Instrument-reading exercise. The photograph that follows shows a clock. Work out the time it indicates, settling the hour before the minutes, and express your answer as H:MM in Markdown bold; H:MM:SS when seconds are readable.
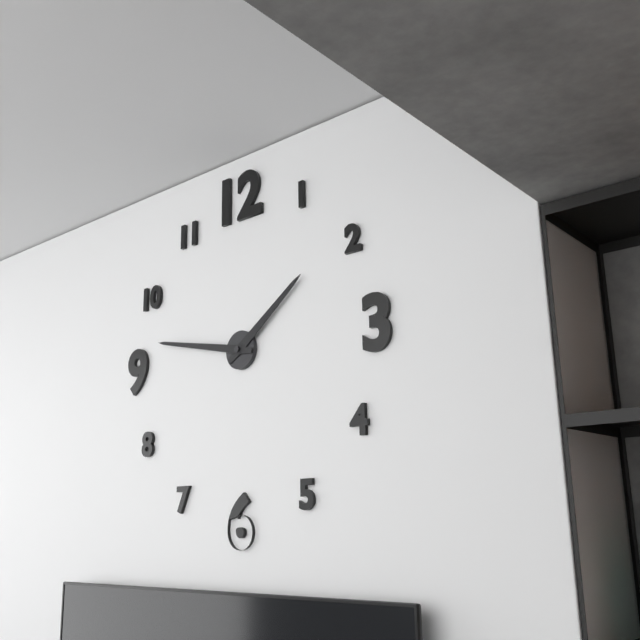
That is **1:47**
